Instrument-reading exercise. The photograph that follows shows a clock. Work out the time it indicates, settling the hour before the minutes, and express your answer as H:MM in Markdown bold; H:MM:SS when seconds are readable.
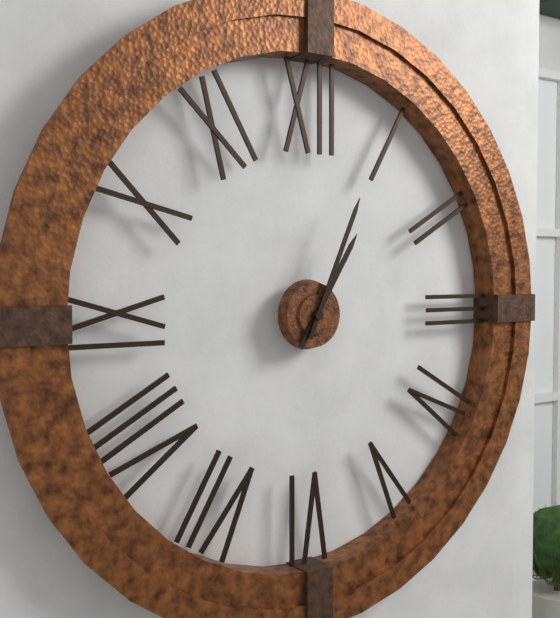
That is **1:04**
